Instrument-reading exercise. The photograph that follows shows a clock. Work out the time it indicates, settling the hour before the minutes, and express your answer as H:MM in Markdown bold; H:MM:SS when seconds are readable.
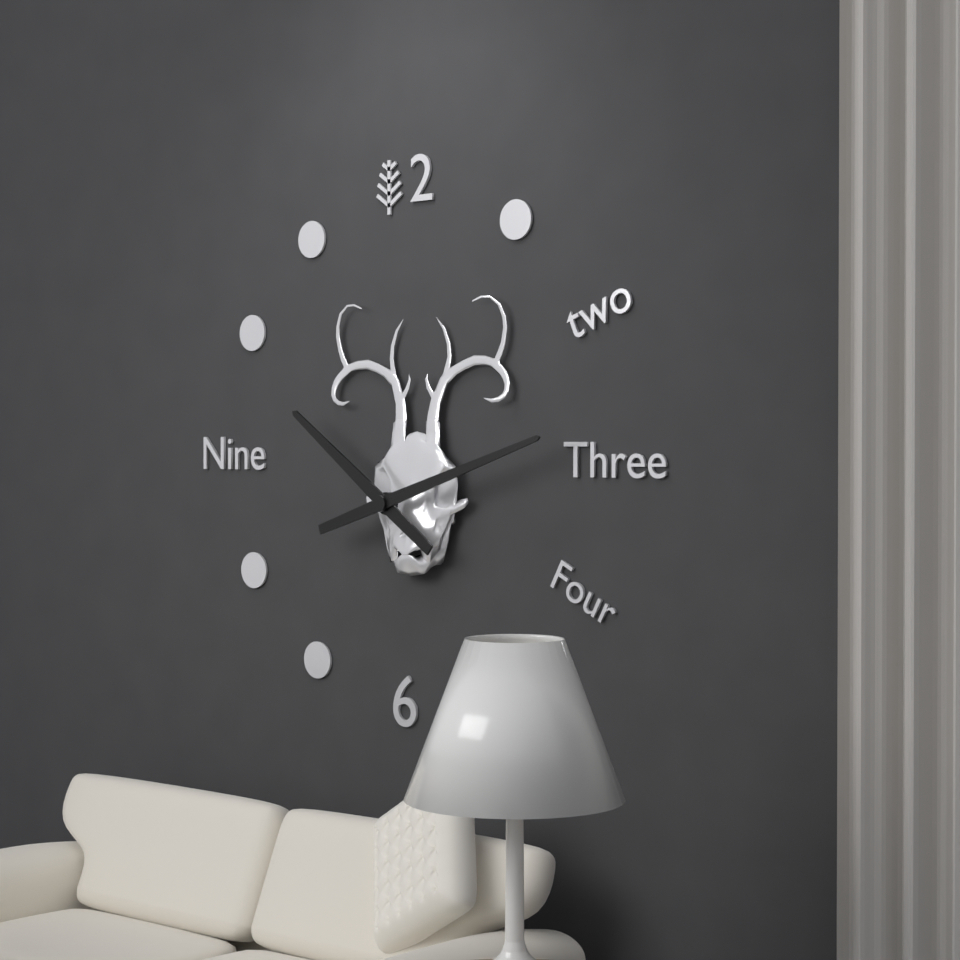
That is **10:12**
